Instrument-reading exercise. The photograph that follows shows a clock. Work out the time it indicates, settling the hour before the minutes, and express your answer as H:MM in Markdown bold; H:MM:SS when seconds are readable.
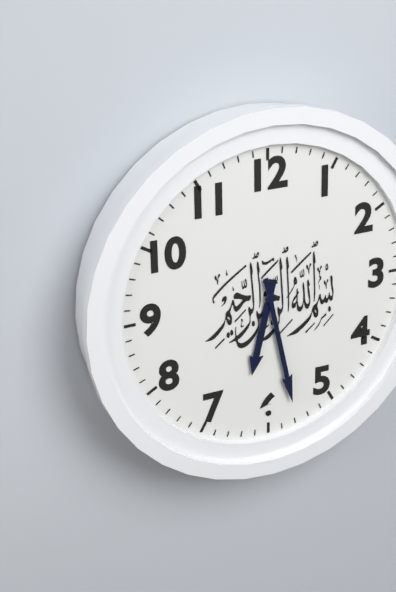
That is **6:28**
